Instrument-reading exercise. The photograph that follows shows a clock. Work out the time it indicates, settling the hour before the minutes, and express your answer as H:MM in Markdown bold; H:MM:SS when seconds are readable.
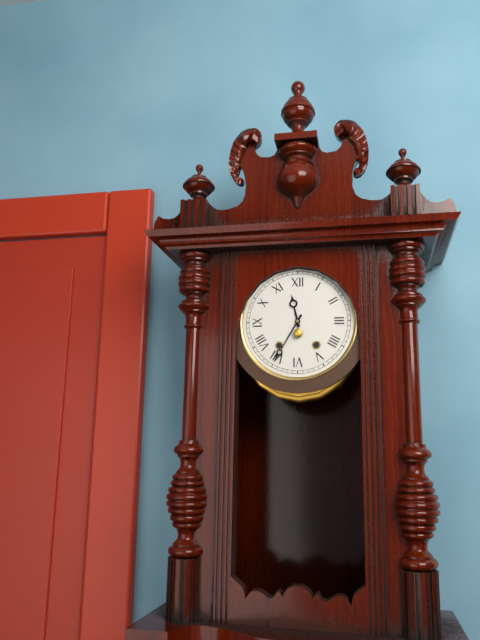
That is **11:35**
